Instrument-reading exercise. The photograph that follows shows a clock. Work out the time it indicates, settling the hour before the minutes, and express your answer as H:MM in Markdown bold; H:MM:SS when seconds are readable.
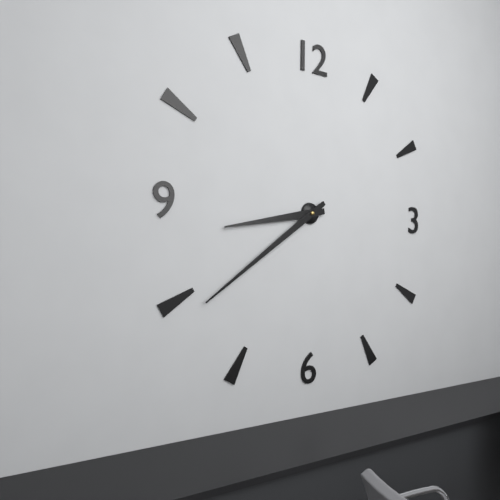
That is **8:39**
